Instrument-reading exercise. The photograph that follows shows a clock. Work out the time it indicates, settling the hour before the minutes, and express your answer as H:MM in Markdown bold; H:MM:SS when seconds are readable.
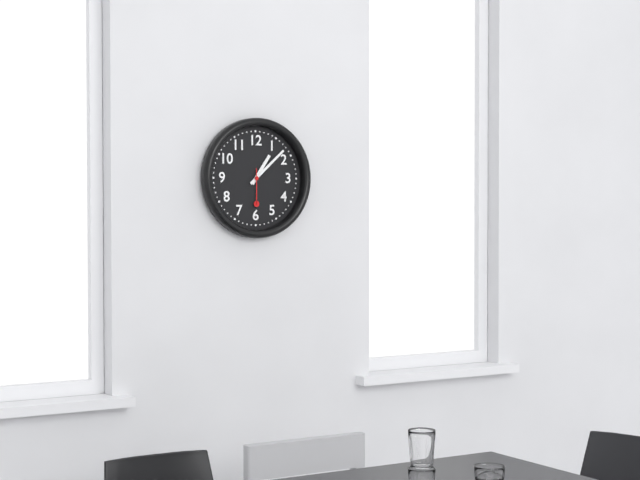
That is **1:08**
